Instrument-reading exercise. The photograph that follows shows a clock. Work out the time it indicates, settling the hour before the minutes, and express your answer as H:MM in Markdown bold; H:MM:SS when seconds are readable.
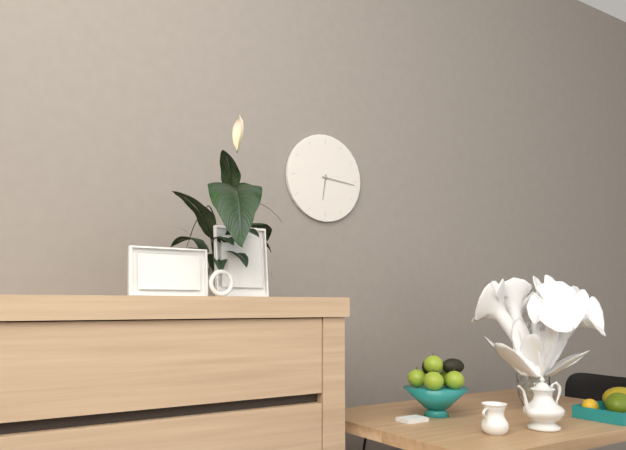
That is **6:16**
